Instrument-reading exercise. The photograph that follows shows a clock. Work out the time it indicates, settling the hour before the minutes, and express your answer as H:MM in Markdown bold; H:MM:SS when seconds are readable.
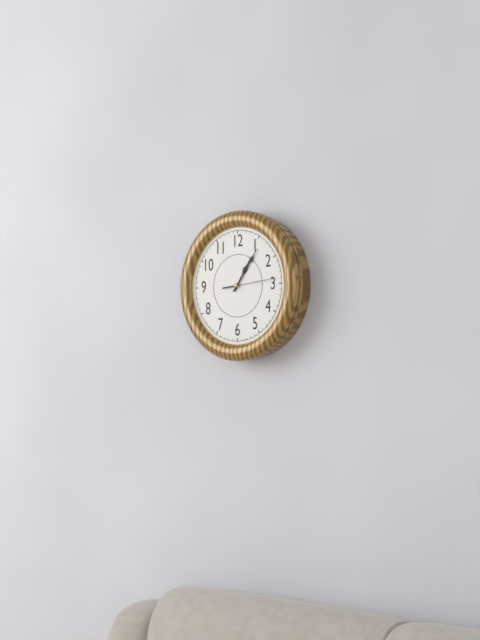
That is **1:06**
